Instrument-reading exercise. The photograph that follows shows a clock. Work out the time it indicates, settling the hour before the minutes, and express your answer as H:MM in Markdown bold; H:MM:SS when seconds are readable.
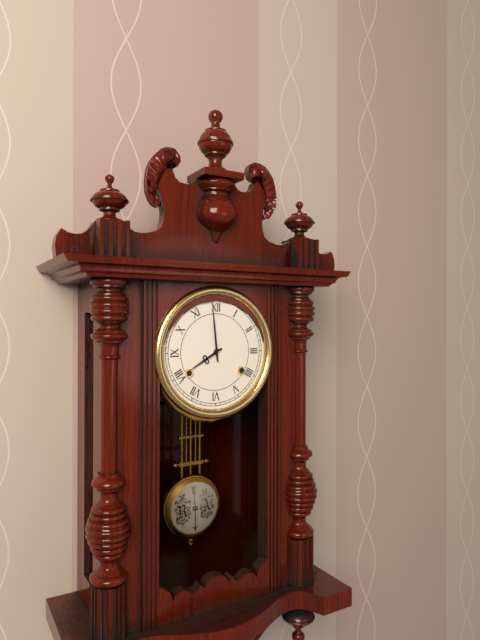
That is **7:59**
